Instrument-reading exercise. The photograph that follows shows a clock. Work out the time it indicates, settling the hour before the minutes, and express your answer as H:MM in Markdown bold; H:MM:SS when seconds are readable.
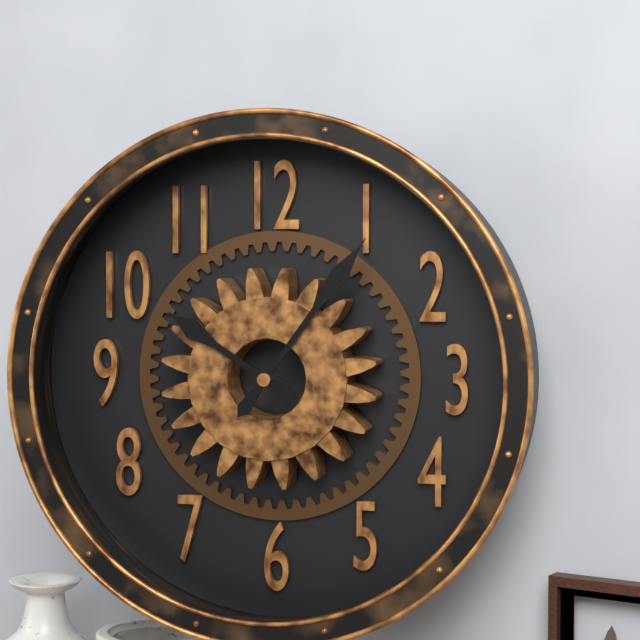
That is **10:06**
